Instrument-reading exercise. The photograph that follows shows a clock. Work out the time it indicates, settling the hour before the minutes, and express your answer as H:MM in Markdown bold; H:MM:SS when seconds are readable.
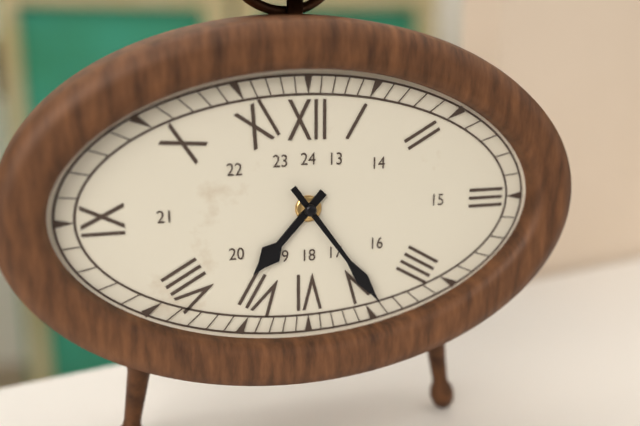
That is **7:24**
